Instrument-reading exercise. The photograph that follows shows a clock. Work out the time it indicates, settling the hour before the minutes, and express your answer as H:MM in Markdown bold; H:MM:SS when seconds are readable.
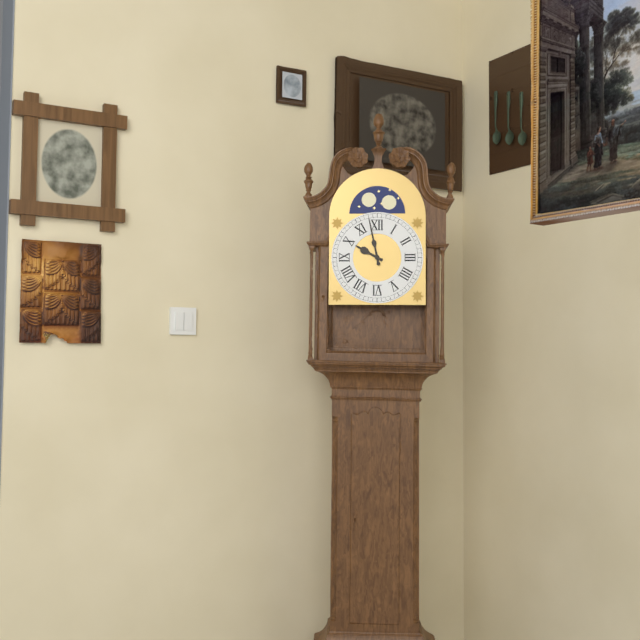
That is **9:58**
